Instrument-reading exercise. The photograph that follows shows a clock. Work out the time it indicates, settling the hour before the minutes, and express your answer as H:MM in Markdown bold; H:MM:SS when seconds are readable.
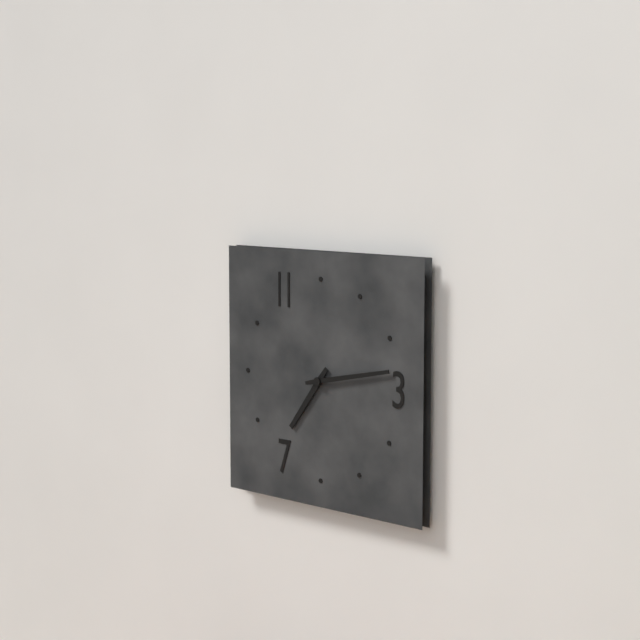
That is **7:13**
